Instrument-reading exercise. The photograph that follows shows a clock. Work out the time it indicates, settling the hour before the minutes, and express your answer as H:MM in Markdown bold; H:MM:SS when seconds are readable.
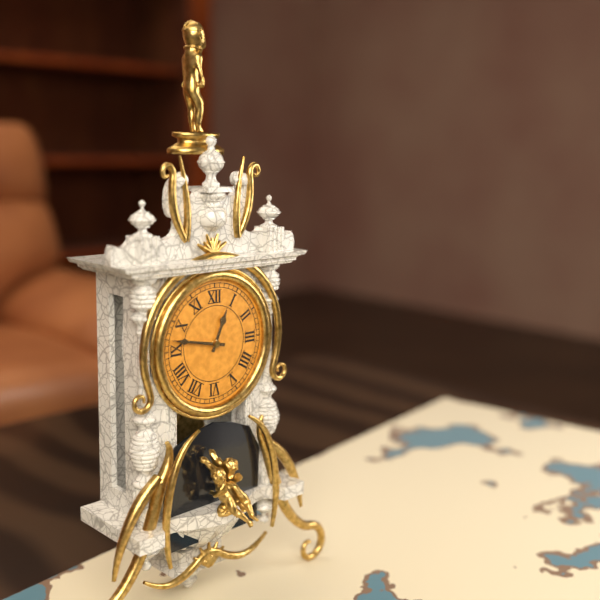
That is **12:47**
